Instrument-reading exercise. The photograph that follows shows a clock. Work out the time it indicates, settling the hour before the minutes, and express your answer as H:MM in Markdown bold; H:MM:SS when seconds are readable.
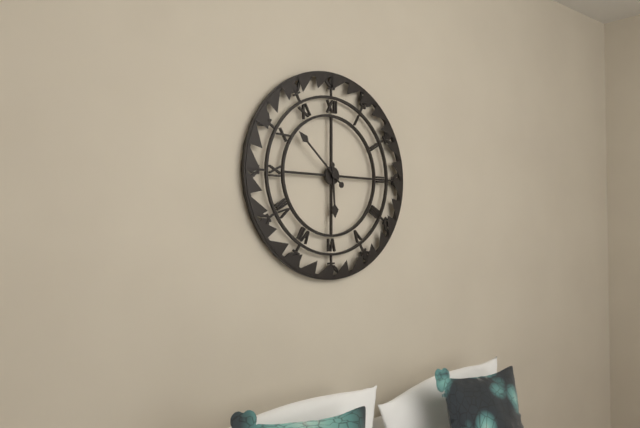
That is **5:52**
